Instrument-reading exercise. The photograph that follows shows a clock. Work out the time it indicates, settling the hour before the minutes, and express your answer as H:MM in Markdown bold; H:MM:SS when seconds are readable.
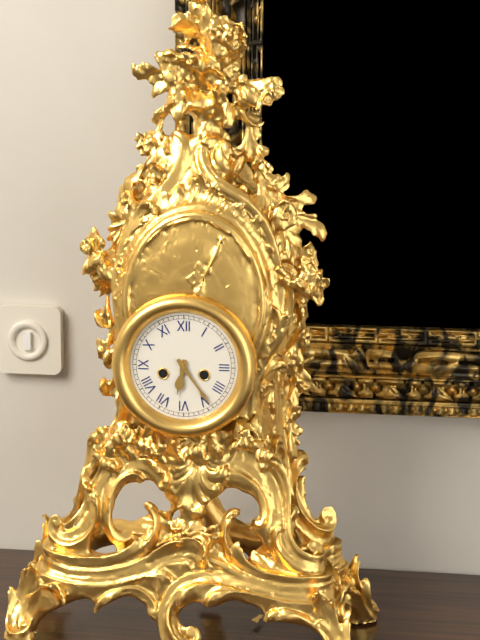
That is **6:24**
